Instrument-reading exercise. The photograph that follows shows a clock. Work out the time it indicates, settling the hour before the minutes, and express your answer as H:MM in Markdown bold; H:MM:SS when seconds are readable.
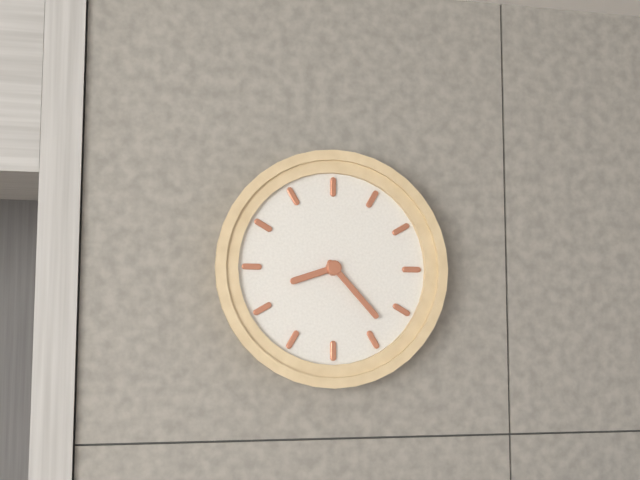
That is **8:23**
